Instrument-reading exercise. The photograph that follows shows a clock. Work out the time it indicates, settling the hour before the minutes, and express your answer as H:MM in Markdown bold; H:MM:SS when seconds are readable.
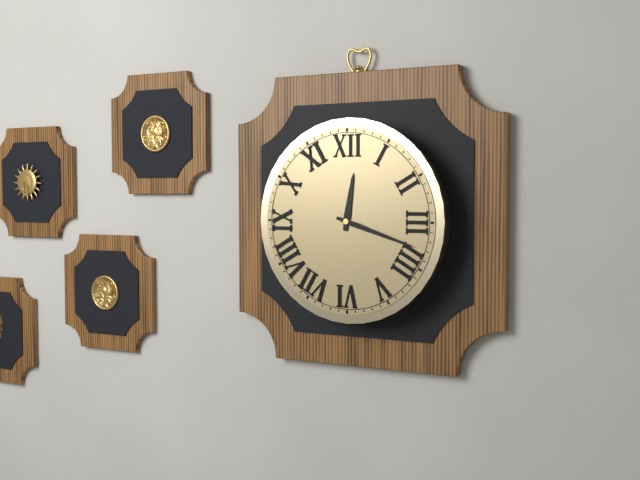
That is **12:18**
